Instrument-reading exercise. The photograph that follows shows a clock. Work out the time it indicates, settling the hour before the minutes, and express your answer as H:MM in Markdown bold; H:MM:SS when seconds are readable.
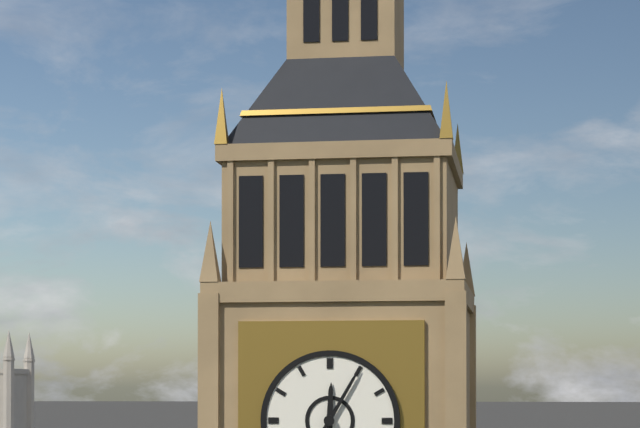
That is **12:05**
